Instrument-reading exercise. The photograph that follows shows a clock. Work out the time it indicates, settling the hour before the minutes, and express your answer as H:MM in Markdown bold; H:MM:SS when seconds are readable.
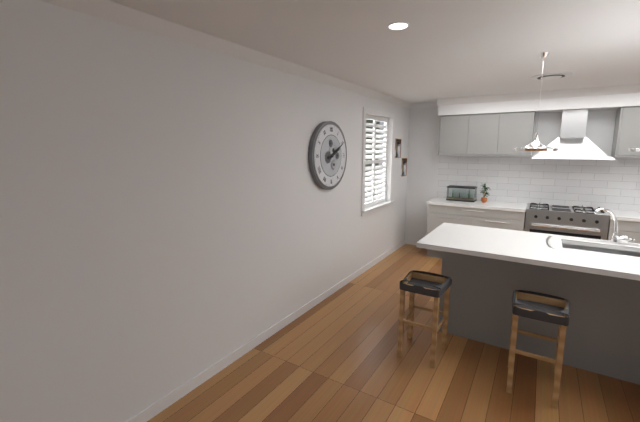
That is **2:10**
